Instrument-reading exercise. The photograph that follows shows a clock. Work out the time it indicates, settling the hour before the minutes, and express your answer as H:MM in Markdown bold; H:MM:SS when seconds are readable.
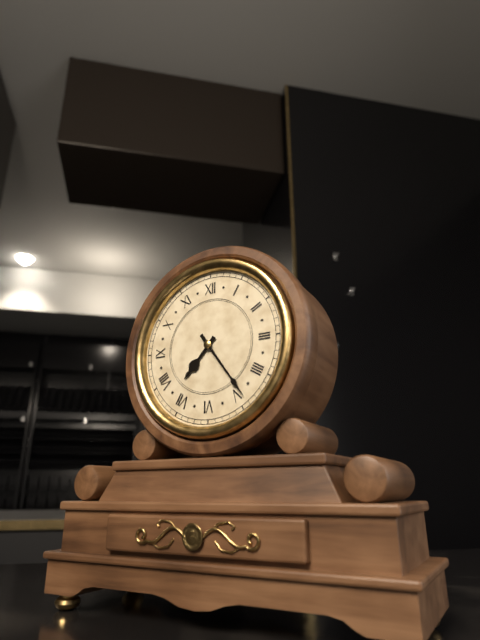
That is **7:24**
